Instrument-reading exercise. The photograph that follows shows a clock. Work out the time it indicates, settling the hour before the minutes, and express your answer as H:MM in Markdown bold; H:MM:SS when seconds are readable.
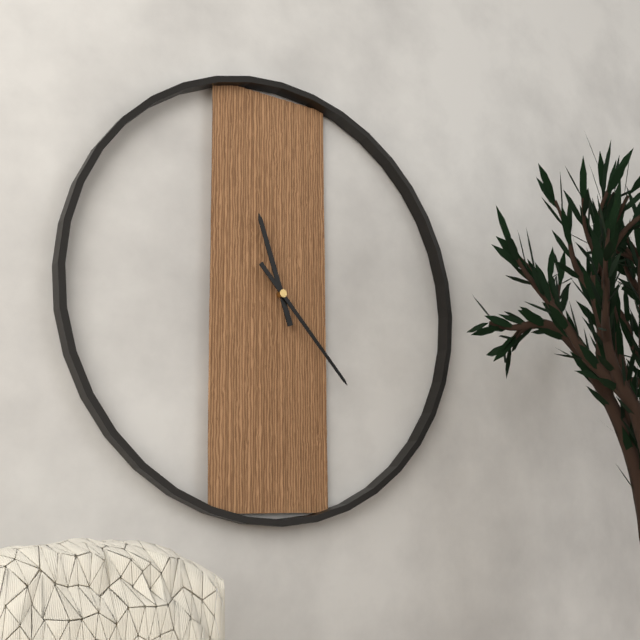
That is **11:23**
